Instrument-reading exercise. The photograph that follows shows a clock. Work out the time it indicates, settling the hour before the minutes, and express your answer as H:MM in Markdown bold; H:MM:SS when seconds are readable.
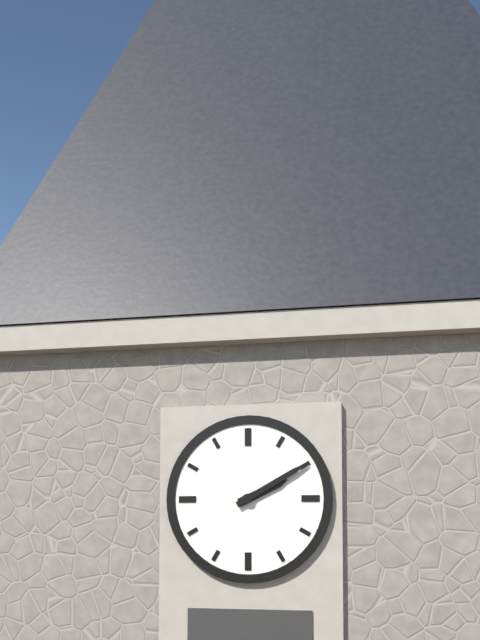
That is **2:10**
